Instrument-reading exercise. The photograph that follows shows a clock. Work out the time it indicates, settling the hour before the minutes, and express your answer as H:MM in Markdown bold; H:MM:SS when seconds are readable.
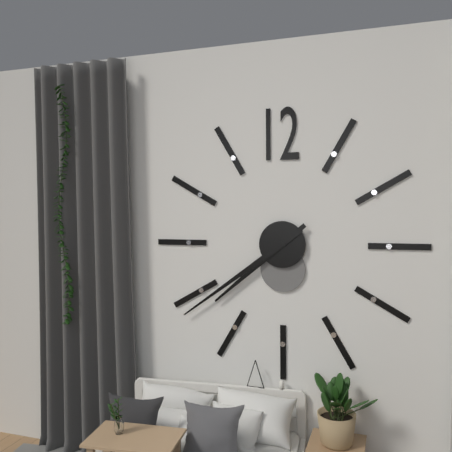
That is **7:39**
